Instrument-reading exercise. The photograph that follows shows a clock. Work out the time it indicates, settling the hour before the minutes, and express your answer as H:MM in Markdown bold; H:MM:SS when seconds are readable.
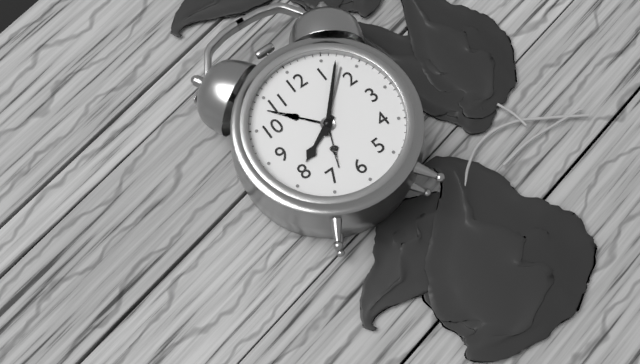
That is **8:07**
